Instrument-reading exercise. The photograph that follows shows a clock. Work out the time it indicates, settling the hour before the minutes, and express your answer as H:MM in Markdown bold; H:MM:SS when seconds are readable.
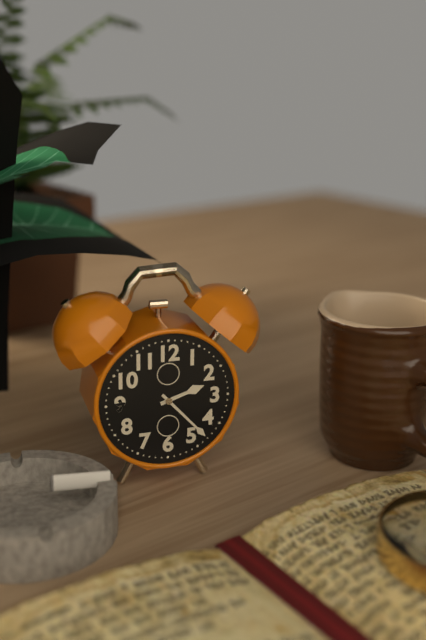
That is **2:23**
